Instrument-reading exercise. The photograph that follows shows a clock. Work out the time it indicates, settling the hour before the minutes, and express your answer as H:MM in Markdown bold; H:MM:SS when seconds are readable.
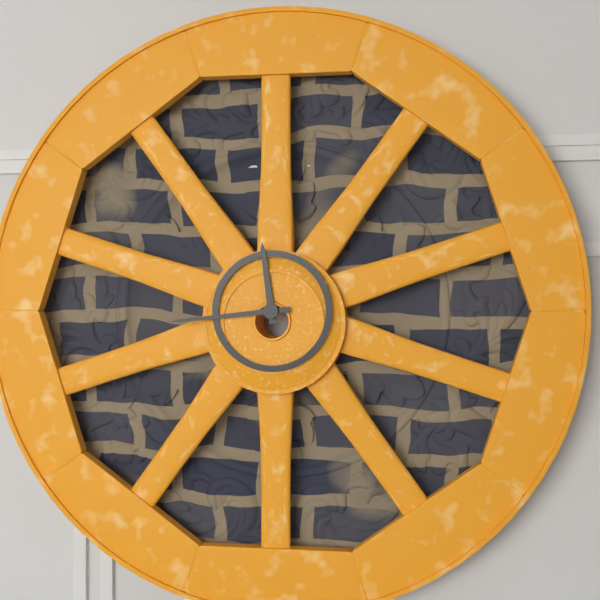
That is **11:44**
